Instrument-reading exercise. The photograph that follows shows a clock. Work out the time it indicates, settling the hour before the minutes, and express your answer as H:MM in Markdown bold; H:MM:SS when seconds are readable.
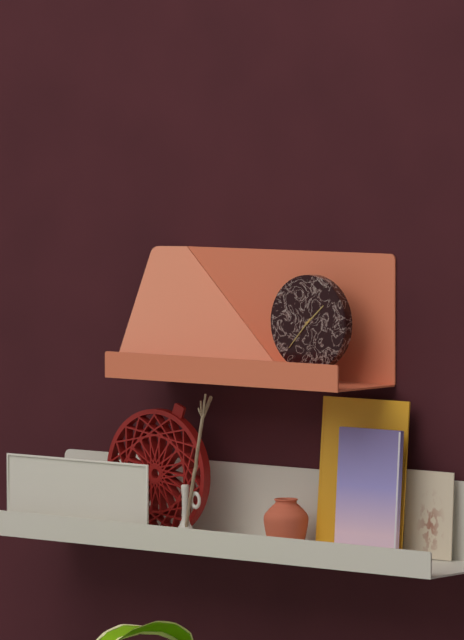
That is **1:37**
